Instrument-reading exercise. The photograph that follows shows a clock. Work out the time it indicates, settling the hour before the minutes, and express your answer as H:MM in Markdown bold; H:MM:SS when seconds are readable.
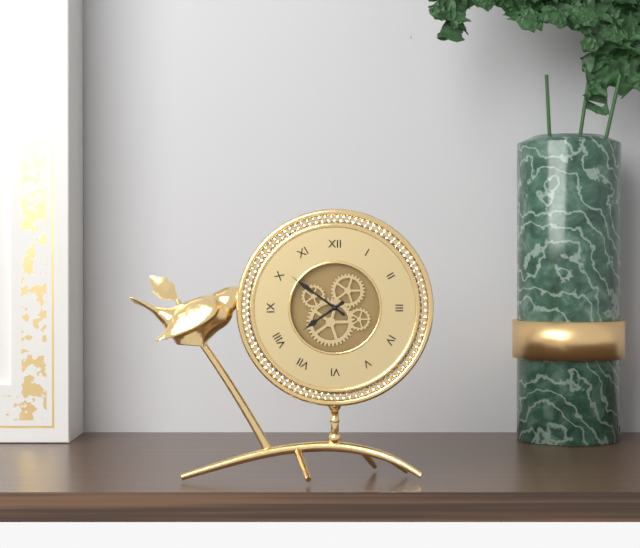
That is **7:51**
